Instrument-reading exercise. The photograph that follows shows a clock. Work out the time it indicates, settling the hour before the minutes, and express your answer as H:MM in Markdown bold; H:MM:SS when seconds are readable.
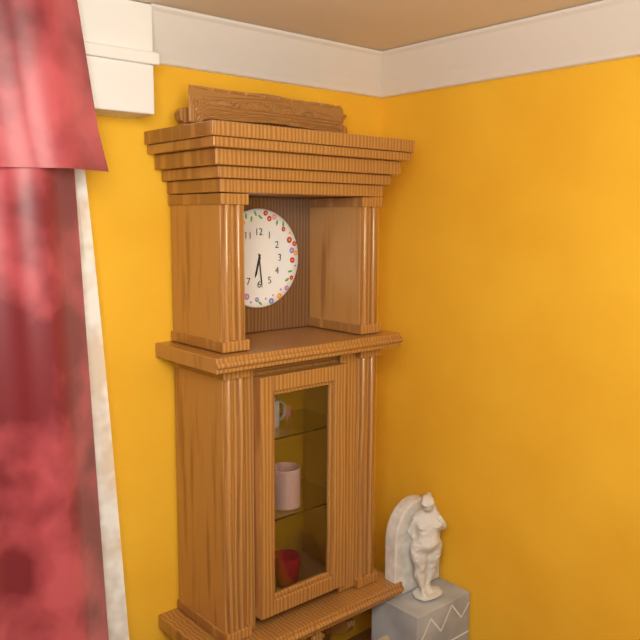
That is **6:29**
